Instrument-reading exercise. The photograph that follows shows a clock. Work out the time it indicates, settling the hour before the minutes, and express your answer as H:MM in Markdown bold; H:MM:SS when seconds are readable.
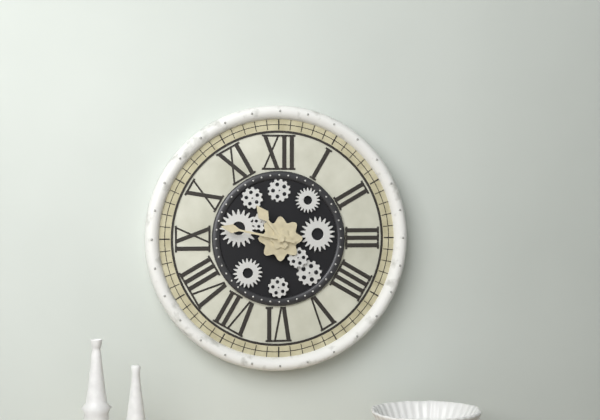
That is **10:47**
